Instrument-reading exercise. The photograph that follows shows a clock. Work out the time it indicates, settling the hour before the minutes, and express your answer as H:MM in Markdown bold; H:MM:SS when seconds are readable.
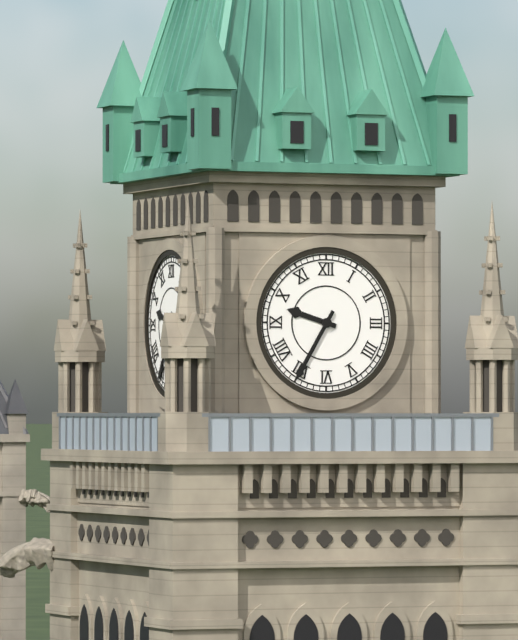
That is **9:35**
